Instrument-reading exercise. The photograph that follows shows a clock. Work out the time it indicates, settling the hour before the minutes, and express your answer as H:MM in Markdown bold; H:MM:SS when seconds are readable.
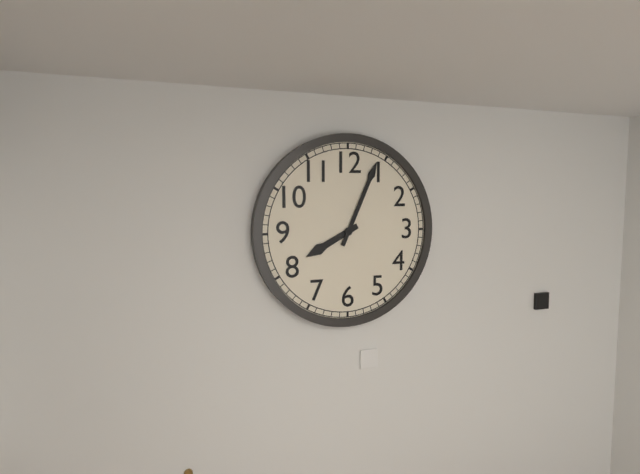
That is **8:04**
